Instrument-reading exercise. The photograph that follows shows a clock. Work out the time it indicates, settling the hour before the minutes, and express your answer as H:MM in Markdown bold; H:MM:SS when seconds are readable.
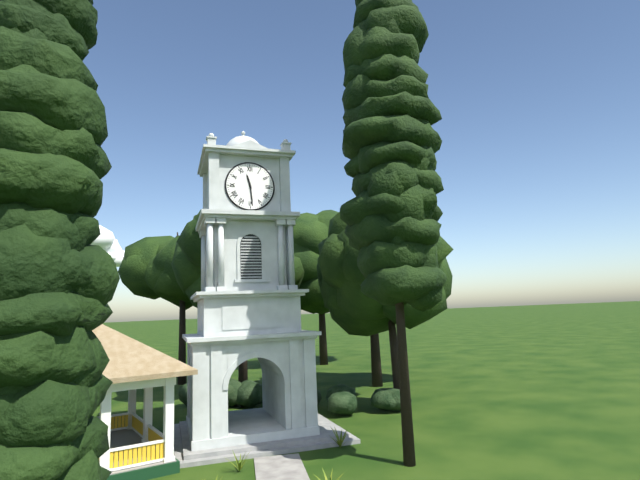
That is **11:29**
